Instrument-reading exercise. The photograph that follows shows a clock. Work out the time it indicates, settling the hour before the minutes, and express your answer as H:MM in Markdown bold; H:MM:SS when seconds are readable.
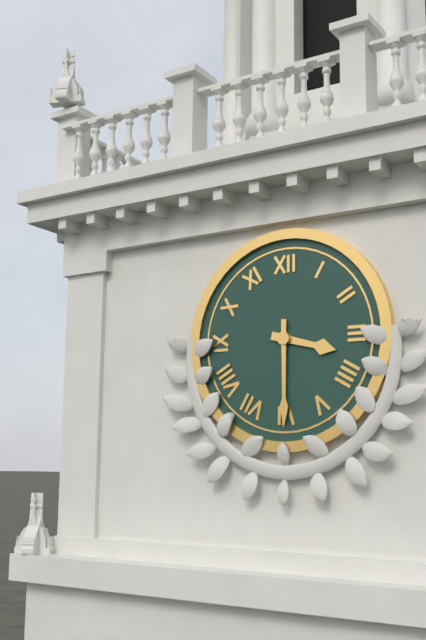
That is **3:30**
